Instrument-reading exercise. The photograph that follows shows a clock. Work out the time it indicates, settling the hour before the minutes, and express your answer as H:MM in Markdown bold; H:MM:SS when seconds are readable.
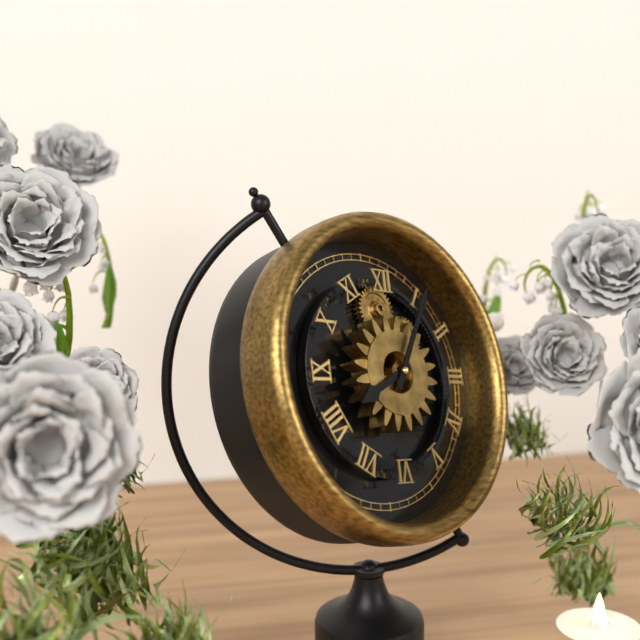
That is **8:05**
